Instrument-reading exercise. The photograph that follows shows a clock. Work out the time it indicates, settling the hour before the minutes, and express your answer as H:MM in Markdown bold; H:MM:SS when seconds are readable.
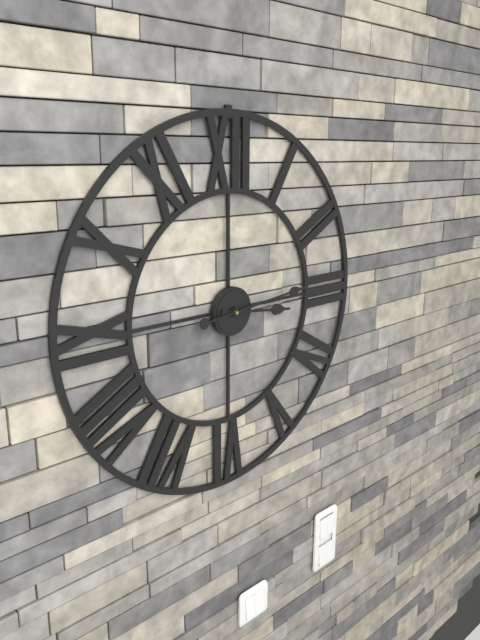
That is **3:14**
